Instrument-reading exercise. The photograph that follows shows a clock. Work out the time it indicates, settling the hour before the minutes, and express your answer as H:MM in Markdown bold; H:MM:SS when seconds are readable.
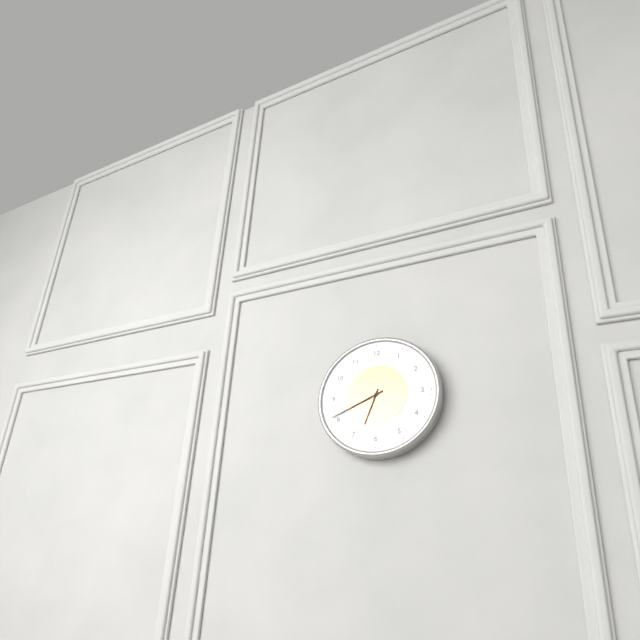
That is **6:41**
